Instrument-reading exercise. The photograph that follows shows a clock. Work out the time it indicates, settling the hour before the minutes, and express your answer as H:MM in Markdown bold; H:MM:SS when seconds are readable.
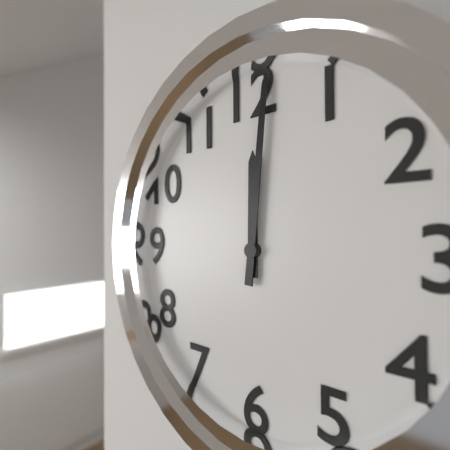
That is **12:01**
